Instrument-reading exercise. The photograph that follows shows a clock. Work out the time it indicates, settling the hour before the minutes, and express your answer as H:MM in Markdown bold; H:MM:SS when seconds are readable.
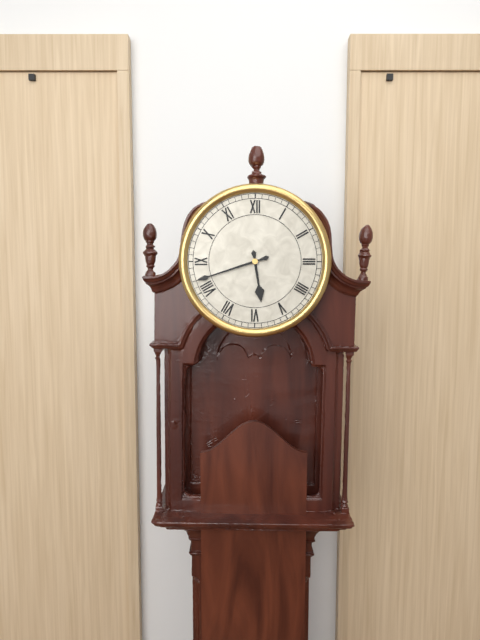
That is **5:42**
